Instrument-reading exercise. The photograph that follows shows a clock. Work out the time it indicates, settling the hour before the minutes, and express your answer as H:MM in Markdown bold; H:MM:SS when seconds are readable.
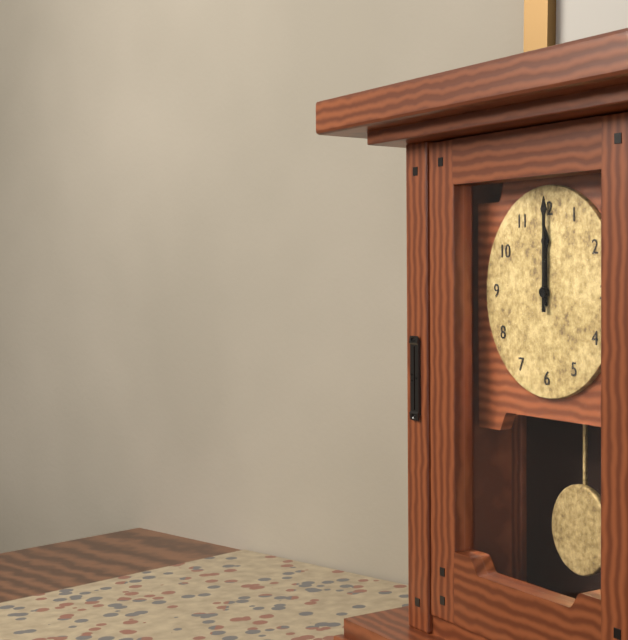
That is **12:00**
